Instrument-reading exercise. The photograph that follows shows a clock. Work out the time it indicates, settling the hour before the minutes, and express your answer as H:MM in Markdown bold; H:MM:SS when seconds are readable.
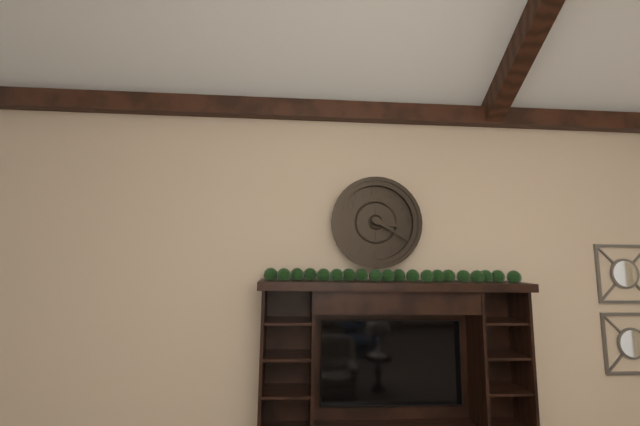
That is **3:20**
